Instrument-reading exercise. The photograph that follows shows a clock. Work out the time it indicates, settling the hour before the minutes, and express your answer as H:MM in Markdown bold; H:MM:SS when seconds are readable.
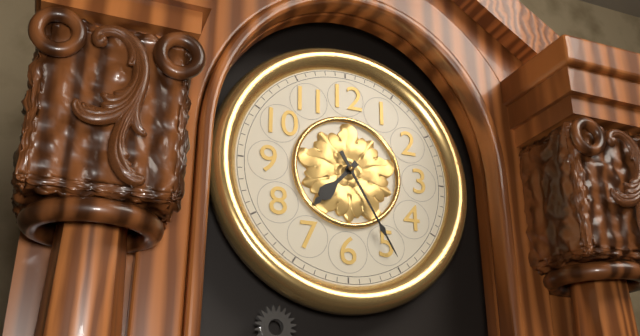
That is **7:25**
